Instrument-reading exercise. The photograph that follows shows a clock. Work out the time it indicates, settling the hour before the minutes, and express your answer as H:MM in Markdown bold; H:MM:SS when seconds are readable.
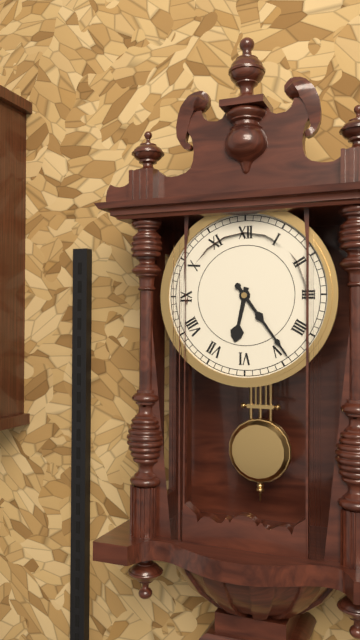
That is **6:24**
